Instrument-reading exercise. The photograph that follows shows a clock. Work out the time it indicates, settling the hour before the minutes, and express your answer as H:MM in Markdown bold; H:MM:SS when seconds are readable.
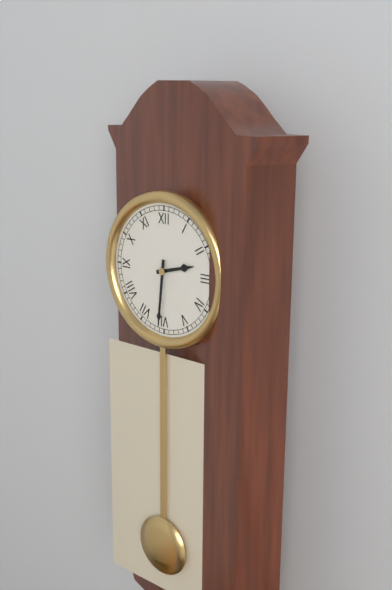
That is **2:31**
